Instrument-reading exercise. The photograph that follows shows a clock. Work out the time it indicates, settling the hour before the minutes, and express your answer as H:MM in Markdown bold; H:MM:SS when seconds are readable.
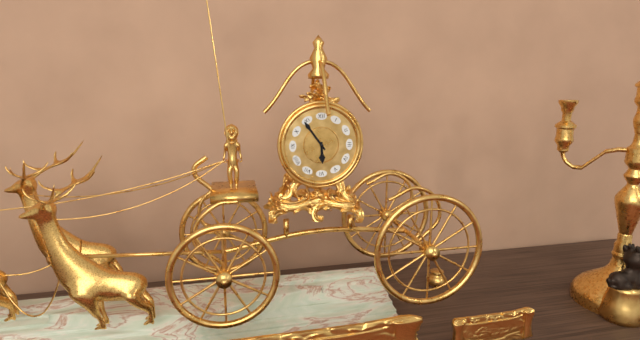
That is **5:54**
